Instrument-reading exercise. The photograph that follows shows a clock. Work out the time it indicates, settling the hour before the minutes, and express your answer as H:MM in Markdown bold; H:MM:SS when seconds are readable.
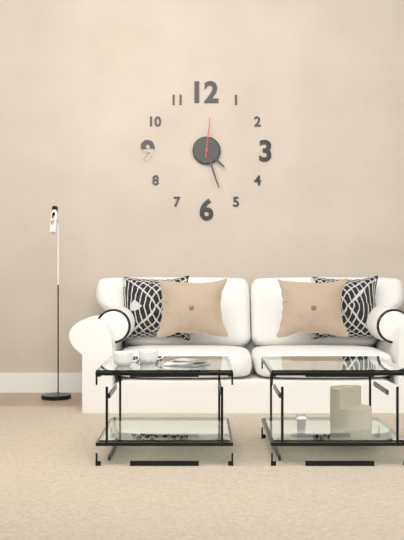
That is **4:27**
